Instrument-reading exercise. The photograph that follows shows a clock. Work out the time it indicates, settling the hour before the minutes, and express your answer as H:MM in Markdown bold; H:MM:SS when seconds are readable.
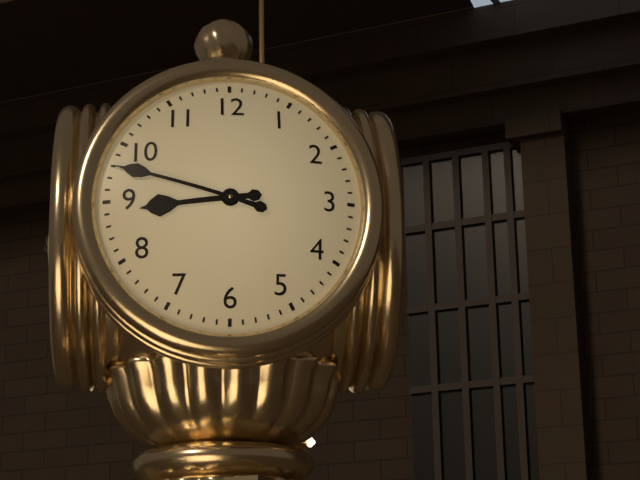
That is **8:48**
